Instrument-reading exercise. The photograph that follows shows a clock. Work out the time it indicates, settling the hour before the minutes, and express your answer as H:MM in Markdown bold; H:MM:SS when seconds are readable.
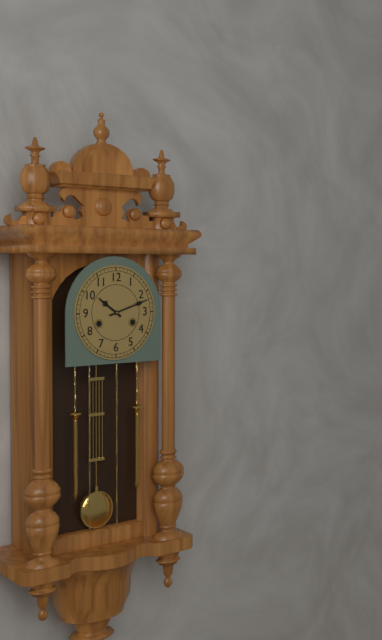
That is **10:12**
